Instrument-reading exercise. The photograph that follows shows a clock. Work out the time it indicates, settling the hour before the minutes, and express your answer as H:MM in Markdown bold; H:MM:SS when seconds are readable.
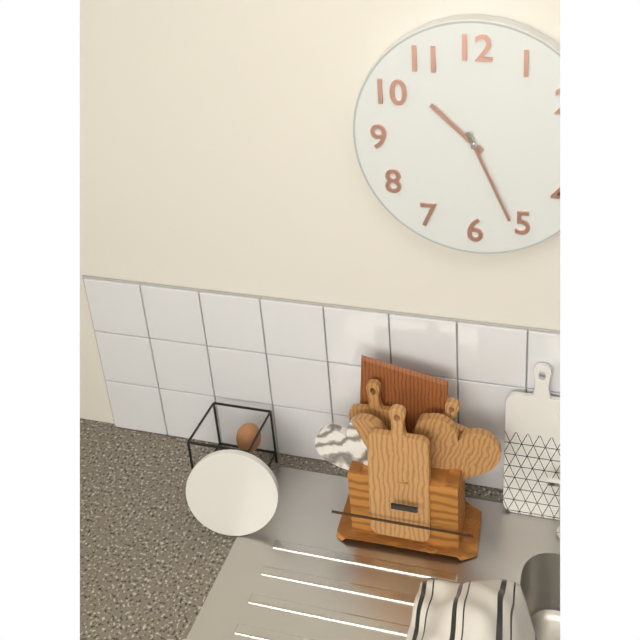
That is **10:26**
